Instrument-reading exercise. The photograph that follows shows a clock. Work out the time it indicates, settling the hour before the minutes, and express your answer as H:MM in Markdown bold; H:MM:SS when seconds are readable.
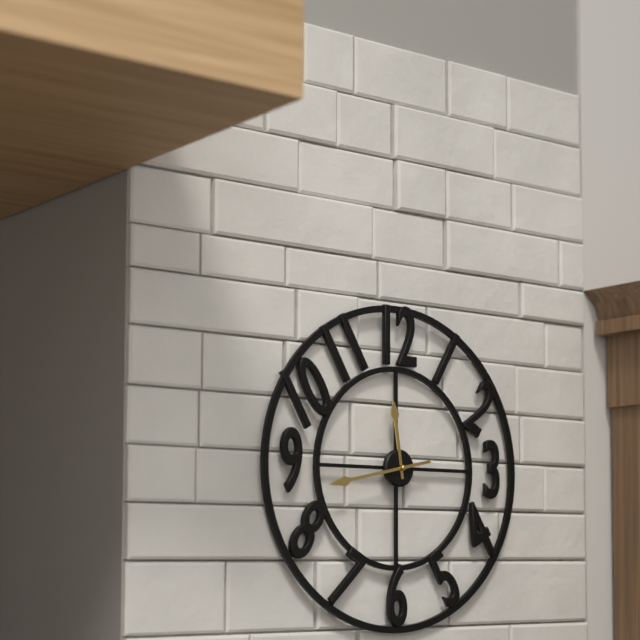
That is **11:43**
